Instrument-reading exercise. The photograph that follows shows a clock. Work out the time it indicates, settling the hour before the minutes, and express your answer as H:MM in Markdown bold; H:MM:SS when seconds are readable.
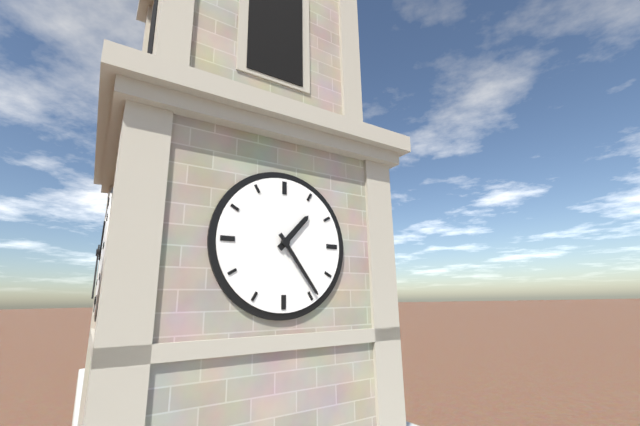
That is **1:24**
